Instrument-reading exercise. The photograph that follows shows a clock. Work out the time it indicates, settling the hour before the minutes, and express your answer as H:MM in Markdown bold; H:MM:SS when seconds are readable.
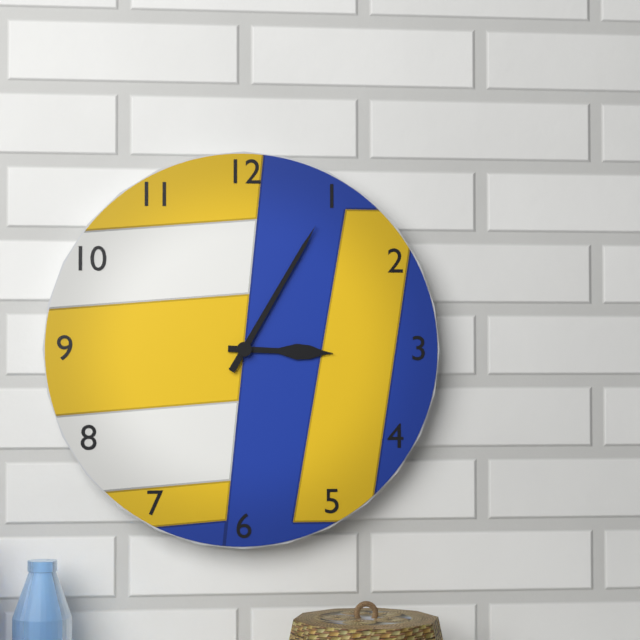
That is **3:05**
